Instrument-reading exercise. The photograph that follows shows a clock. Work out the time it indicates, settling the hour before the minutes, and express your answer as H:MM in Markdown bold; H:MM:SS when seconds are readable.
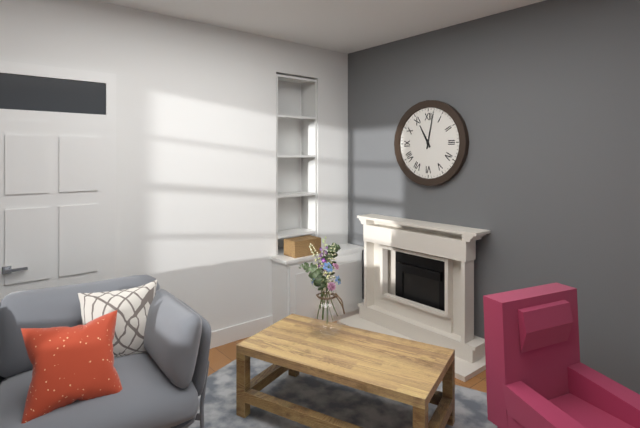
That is **11:02**
